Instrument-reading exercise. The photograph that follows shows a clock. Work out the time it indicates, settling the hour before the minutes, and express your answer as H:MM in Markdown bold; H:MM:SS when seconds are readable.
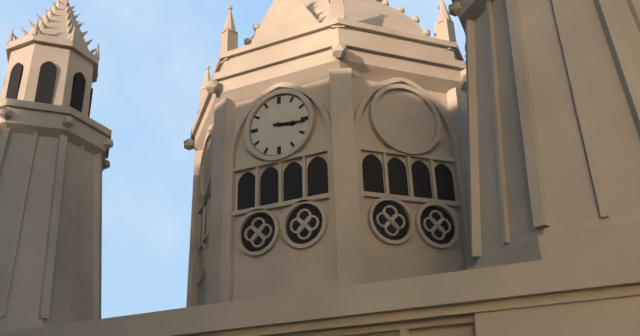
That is **3:16**
